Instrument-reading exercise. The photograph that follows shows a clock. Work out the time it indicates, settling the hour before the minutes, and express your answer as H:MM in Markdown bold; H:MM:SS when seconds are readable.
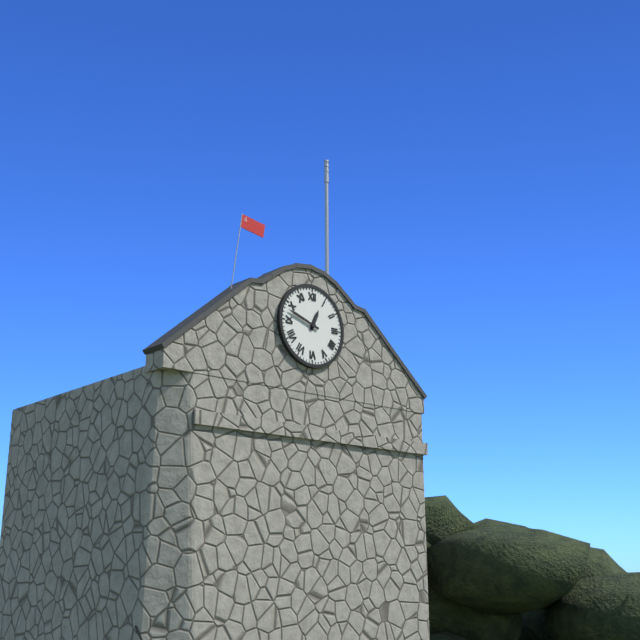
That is **12:48**
